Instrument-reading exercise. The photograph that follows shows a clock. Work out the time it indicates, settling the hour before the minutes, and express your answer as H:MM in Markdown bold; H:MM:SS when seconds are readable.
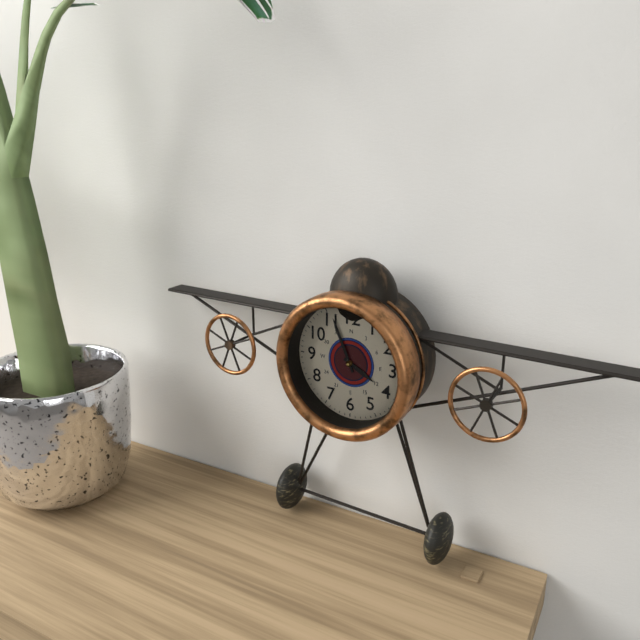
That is **3:56**
